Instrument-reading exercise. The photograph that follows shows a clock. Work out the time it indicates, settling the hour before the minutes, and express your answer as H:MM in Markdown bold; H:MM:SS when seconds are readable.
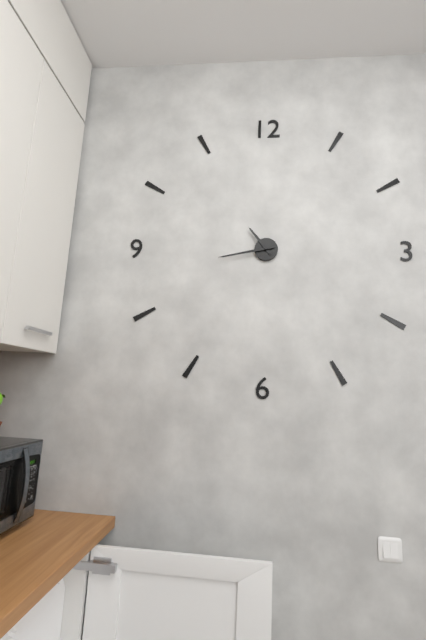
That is **10:43**
